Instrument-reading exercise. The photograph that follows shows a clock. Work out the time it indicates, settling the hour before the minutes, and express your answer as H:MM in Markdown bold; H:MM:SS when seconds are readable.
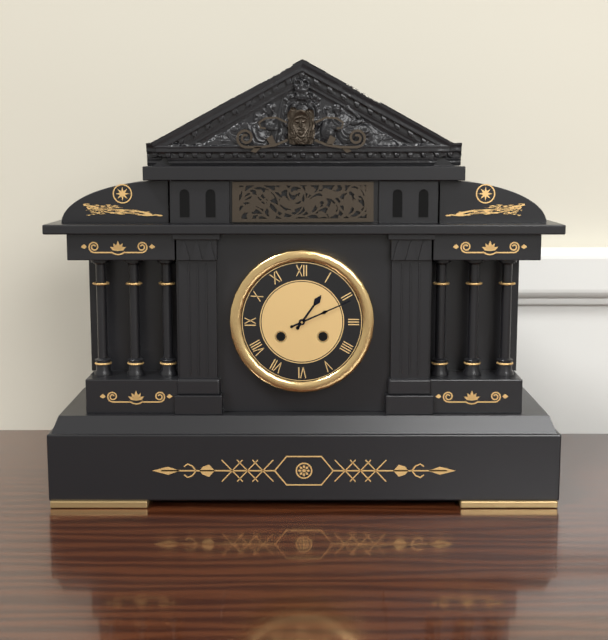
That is **1:11**
